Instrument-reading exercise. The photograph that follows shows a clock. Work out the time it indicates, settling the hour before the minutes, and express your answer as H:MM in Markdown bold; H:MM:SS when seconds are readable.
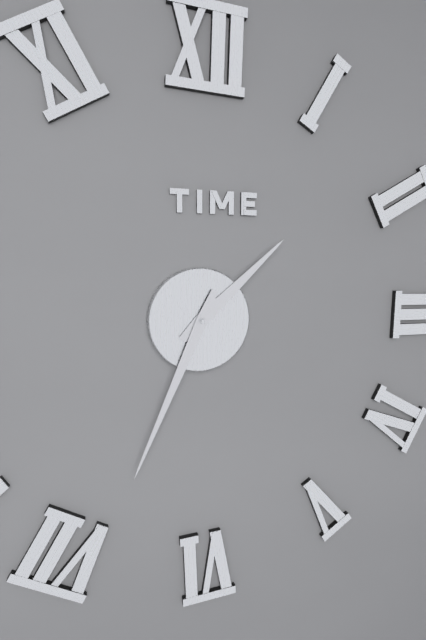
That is **1:34**
